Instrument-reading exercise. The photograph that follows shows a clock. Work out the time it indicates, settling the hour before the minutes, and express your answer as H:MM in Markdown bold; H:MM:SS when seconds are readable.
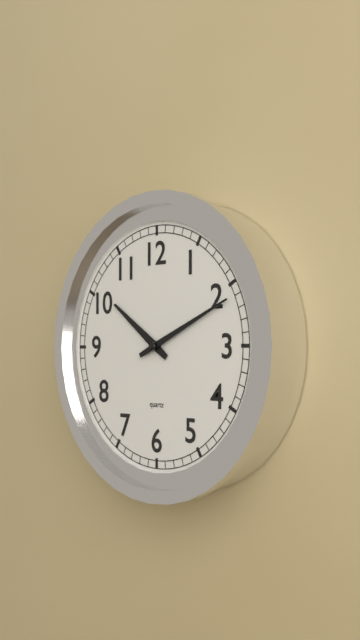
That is **10:11**
